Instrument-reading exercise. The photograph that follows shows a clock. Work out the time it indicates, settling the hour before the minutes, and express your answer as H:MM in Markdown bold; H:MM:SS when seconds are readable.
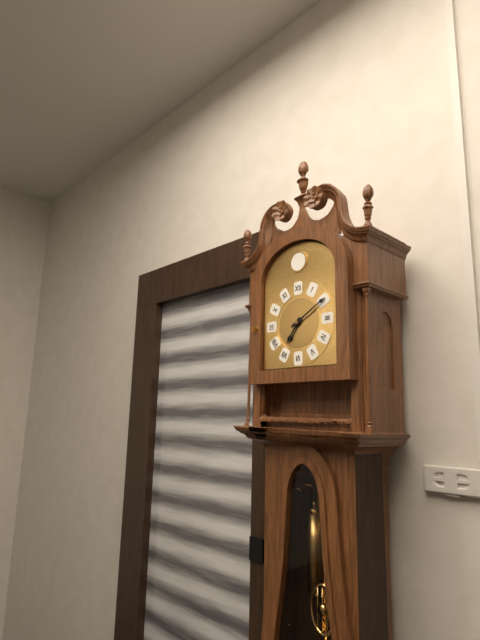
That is **7:10**
